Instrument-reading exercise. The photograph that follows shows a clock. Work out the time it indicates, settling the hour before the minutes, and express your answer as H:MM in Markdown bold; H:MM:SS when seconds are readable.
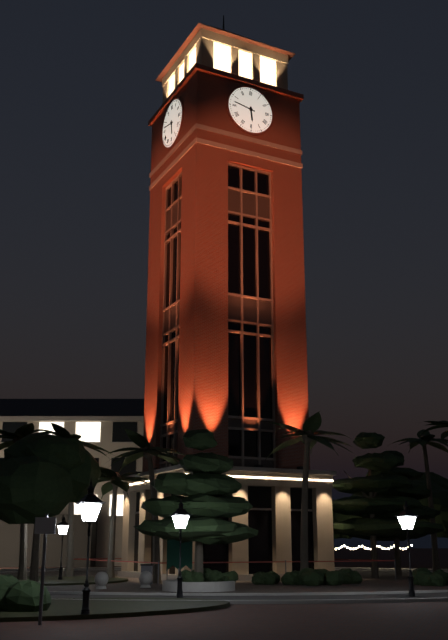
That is **5:47**
